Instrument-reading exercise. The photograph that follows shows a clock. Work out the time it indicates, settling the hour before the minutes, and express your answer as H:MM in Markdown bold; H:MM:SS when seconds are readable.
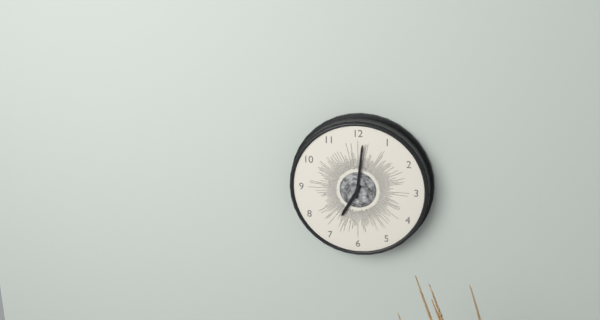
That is **7:01**
